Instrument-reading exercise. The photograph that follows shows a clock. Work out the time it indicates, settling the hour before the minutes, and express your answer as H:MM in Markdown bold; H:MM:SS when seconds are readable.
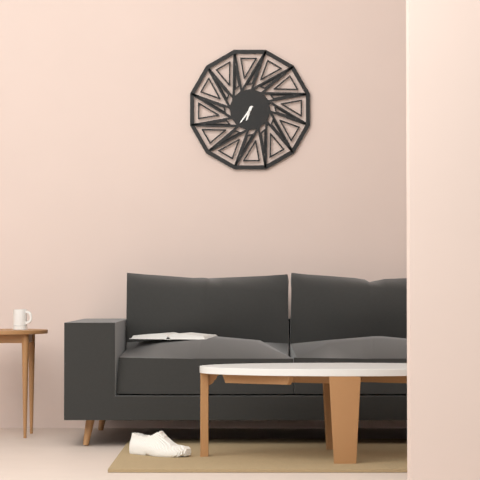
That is **6:36**
